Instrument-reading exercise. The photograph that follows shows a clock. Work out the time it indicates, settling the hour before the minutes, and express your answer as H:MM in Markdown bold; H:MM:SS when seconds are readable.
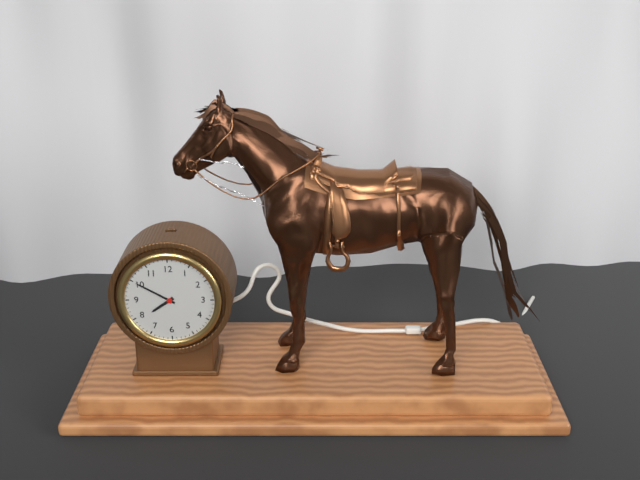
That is **7:50**
